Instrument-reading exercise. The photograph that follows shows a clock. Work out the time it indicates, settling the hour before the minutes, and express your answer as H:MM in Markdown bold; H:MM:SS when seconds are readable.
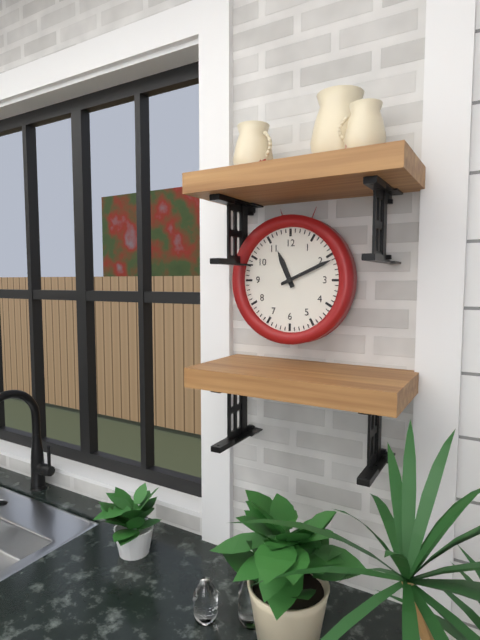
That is **11:11**
